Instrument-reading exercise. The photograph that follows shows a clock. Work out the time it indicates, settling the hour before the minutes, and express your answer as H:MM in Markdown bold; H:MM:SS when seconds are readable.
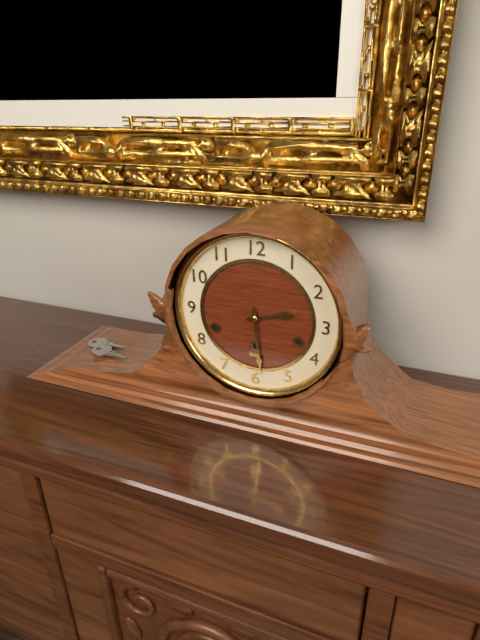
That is **2:29**
